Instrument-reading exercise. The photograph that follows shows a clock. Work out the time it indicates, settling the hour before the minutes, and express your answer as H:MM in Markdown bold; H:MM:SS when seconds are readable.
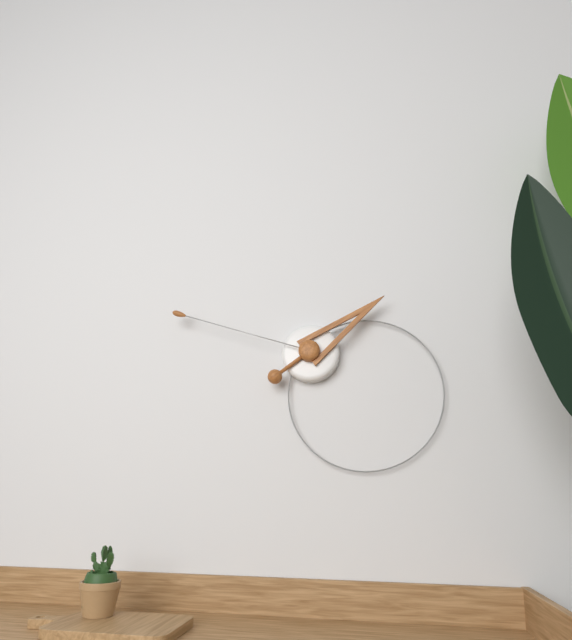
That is **1:48**
